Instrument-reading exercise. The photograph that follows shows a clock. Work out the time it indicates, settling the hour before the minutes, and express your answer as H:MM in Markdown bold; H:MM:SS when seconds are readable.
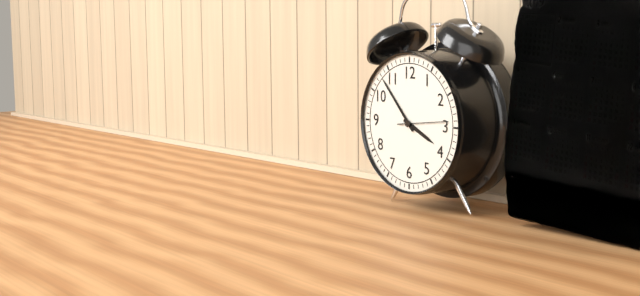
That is **3:53**
